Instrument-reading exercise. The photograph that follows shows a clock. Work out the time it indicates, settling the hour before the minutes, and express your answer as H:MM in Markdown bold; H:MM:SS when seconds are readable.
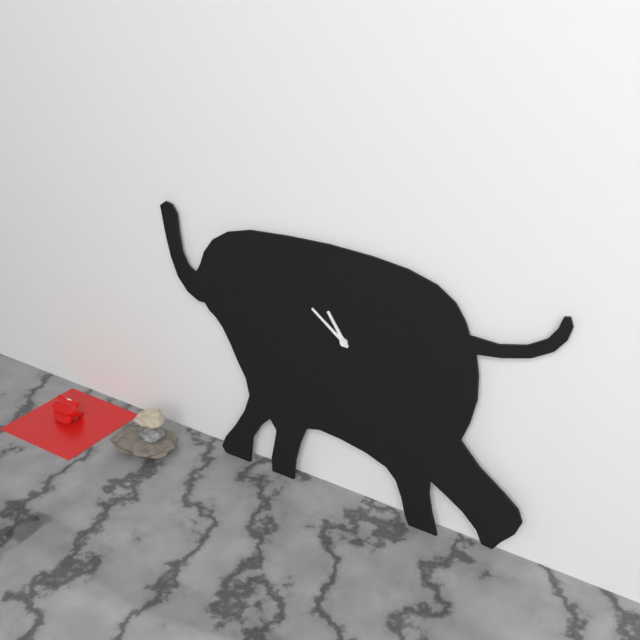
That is **10:51**
